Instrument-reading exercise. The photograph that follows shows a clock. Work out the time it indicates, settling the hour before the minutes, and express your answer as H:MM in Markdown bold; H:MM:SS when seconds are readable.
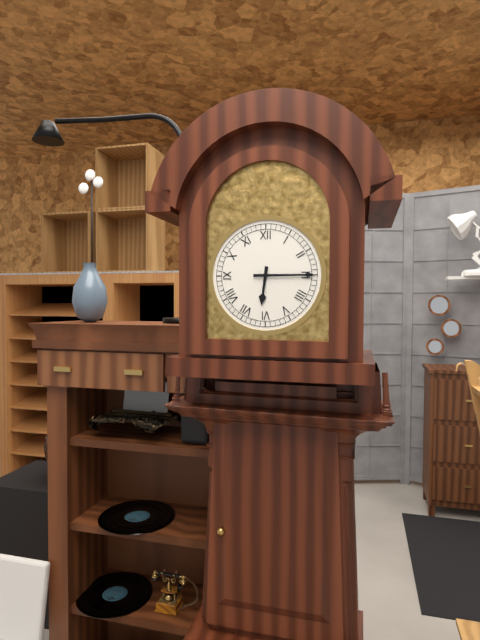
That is **6:15**
